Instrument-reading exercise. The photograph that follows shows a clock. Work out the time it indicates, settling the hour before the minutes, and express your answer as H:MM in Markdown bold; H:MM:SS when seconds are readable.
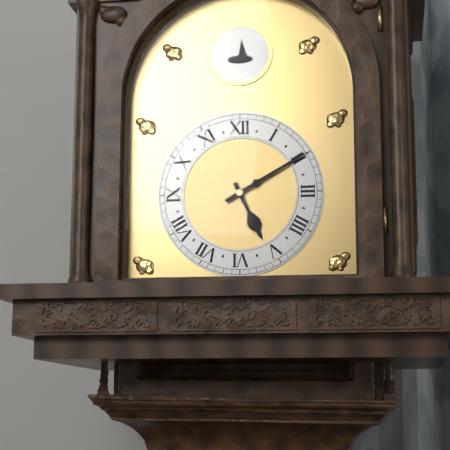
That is **5:10**
